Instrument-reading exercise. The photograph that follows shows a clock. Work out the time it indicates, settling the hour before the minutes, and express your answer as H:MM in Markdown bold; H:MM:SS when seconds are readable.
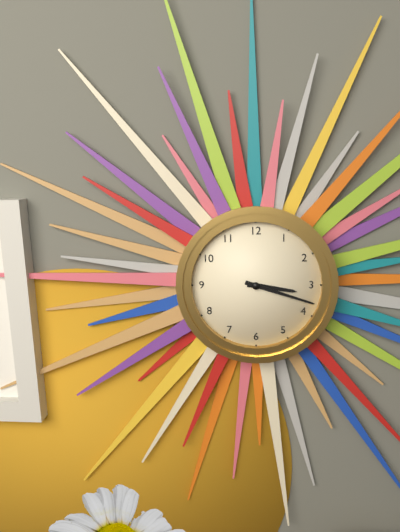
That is **3:18**
